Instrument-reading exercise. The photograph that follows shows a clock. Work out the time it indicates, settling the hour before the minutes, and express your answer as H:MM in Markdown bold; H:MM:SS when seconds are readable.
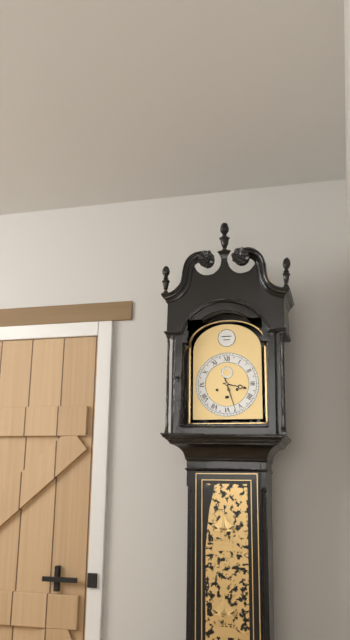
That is **3:27**
